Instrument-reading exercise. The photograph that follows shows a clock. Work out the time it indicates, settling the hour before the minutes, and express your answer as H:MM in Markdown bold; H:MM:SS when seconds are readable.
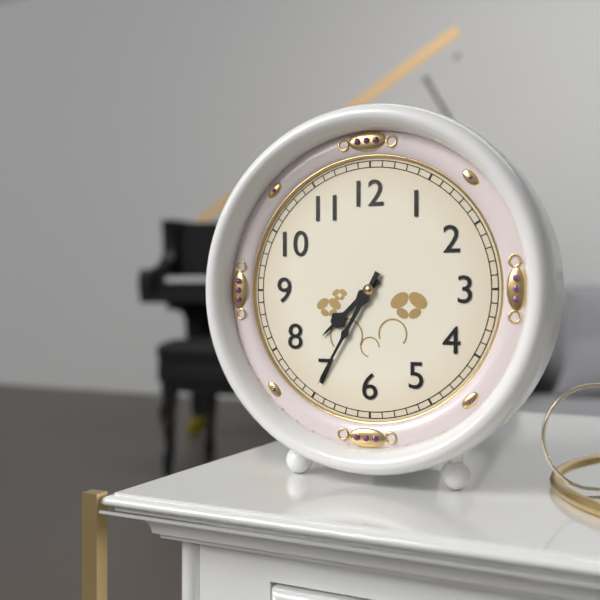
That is **7:35**
